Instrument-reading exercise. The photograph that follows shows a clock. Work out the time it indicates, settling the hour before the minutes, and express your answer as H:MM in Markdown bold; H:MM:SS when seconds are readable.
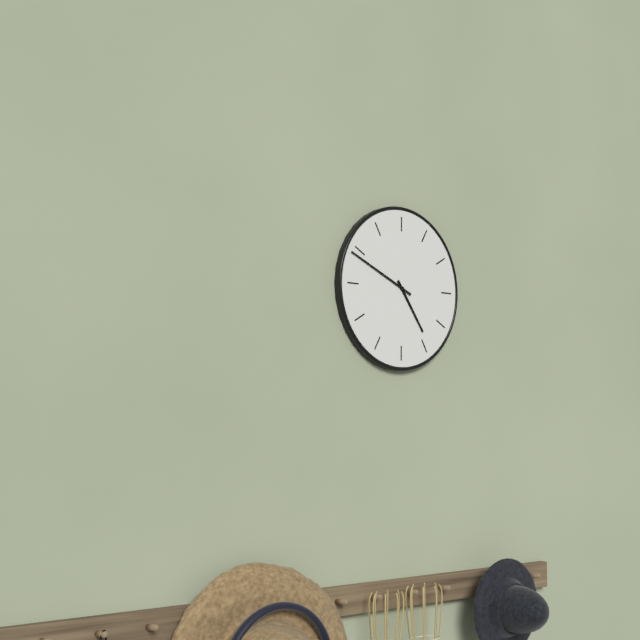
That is **4:49**
